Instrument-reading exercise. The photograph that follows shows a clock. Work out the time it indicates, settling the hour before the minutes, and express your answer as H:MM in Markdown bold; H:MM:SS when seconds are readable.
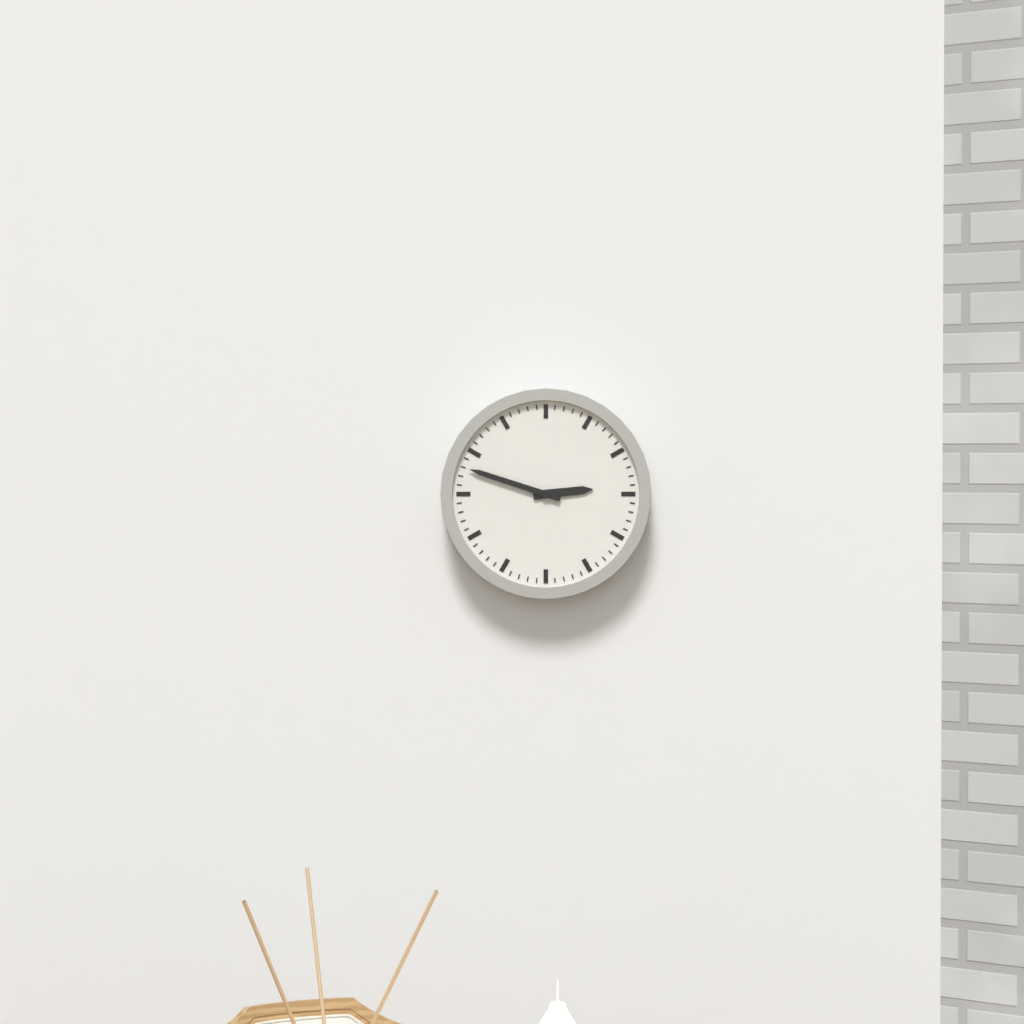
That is **2:48**
